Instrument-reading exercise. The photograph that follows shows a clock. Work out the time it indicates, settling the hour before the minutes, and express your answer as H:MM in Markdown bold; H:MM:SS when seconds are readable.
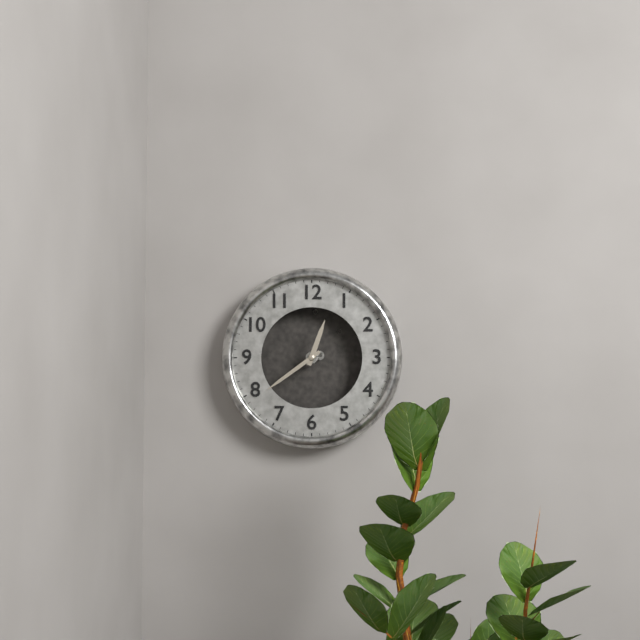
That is **12:39**
